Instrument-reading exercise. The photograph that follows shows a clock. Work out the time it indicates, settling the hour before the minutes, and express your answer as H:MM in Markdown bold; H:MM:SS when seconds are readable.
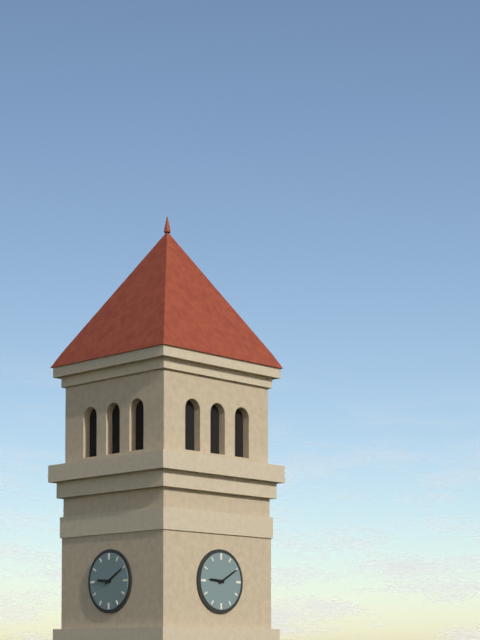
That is **9:10**
